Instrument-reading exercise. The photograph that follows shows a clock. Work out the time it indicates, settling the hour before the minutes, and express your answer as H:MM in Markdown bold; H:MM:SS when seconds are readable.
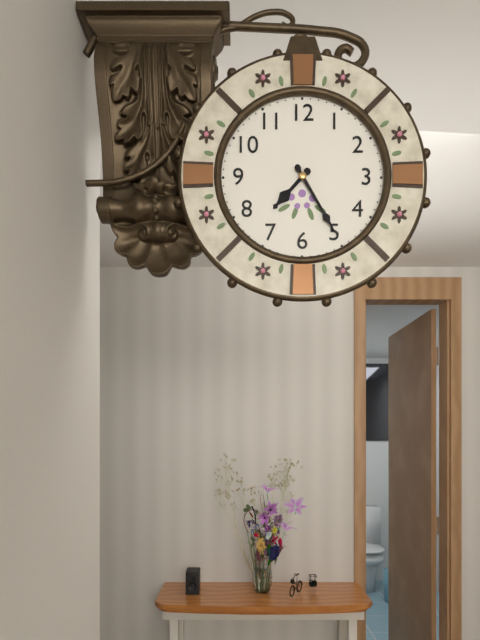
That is **7:25**
